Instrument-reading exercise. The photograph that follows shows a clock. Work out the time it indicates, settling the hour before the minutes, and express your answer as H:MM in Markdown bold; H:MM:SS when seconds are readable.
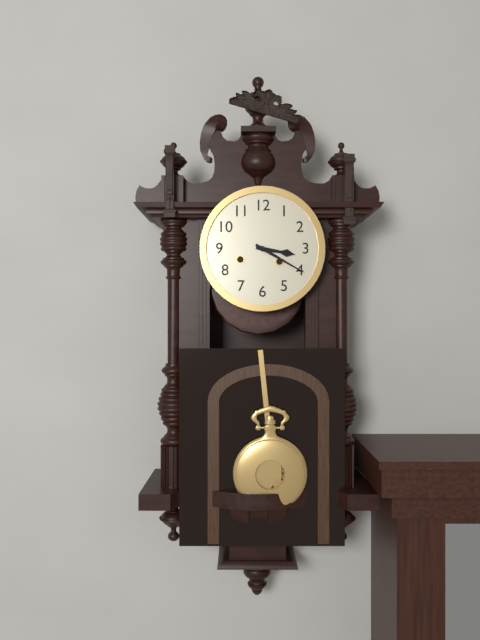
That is **3:20**
